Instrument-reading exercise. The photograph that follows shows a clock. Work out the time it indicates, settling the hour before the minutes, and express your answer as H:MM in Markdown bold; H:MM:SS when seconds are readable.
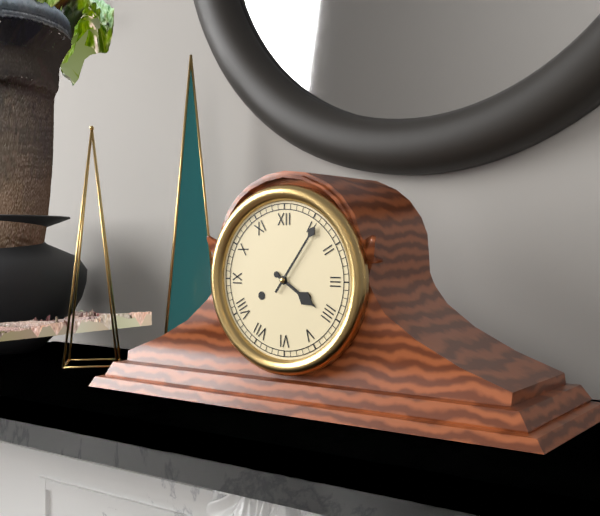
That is **4:06**
